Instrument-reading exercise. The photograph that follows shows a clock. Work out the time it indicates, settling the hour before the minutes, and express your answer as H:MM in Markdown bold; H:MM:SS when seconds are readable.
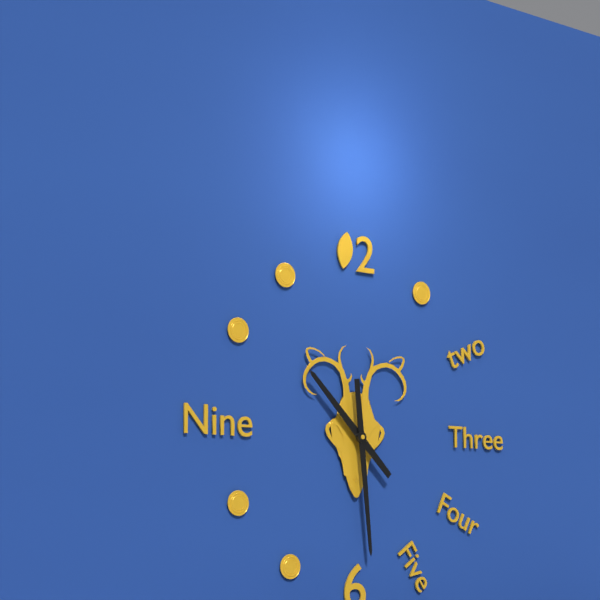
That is **10:29**
